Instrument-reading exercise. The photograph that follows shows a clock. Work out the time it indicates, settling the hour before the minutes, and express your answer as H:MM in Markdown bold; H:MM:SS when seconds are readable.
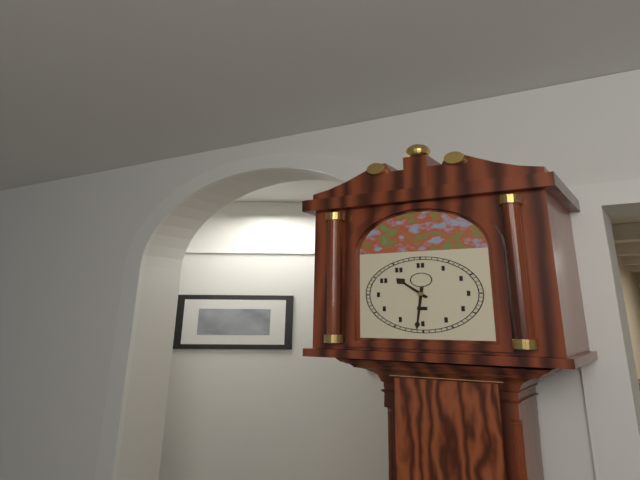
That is **10:31**
